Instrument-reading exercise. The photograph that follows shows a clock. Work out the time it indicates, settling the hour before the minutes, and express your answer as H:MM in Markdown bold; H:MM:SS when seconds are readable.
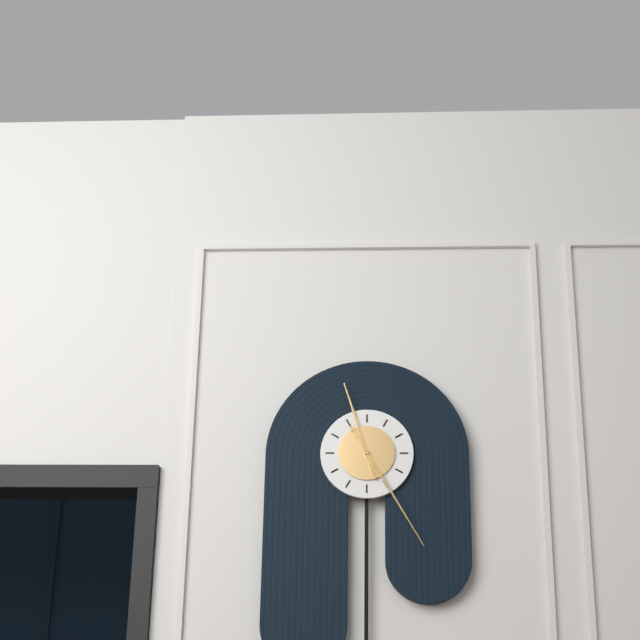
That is **11:25**
